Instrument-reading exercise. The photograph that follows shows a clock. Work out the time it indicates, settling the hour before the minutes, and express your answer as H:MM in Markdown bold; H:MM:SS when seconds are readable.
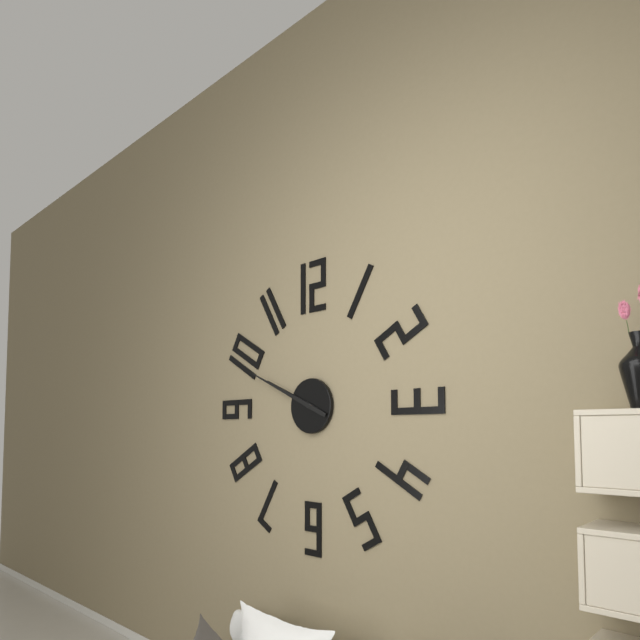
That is **9:49**
